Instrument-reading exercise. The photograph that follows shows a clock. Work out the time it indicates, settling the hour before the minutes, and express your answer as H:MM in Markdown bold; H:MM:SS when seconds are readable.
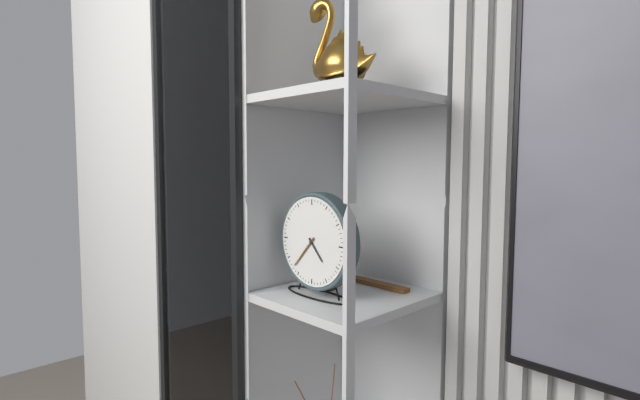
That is **4:37**
